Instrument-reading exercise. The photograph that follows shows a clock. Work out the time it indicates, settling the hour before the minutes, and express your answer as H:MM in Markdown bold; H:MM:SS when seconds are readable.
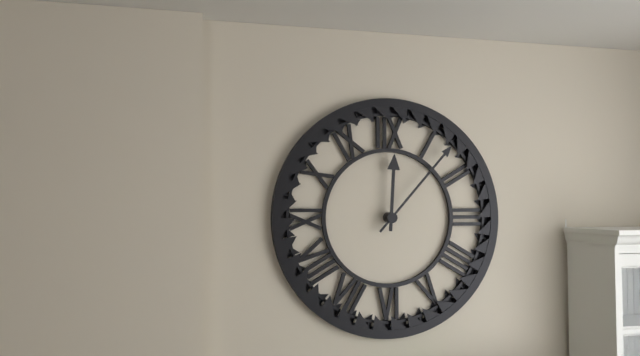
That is **12:07**
